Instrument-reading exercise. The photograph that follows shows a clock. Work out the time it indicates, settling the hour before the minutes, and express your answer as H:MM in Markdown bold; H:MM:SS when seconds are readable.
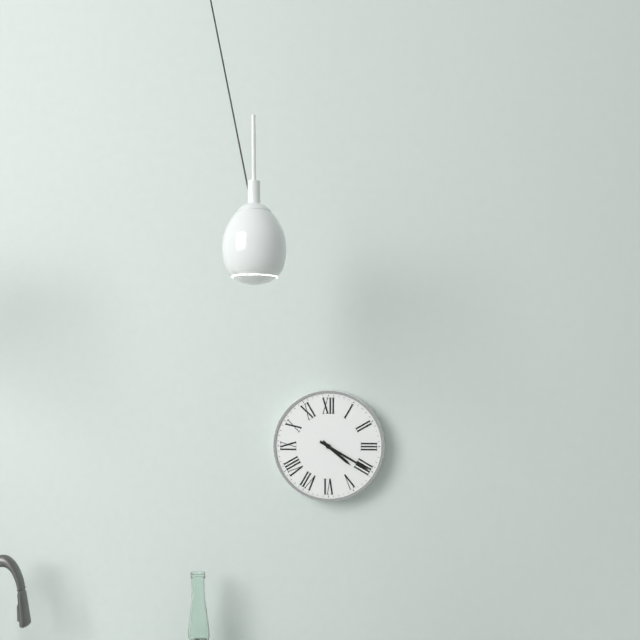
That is **4:20**
